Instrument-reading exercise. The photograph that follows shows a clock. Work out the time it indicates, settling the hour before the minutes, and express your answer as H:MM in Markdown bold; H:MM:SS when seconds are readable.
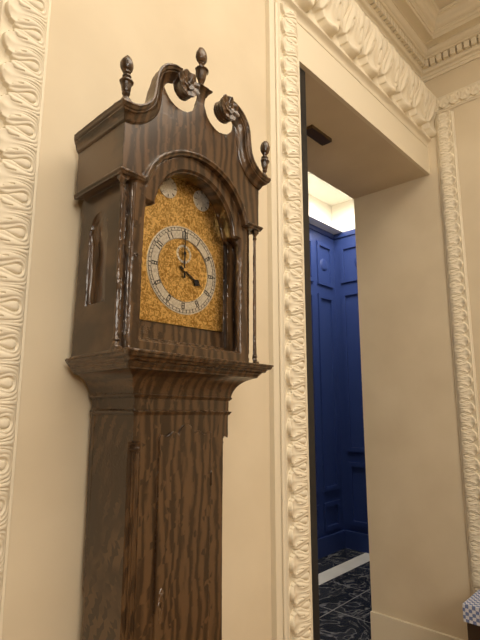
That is **4:00**
